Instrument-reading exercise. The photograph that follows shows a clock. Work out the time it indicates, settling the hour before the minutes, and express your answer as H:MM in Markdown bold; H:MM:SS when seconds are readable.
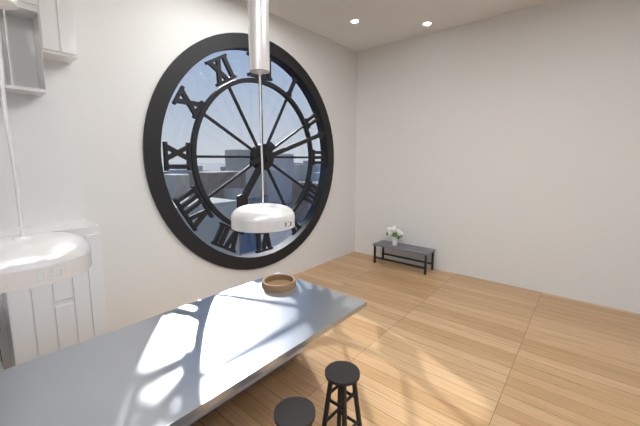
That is **7:12**
